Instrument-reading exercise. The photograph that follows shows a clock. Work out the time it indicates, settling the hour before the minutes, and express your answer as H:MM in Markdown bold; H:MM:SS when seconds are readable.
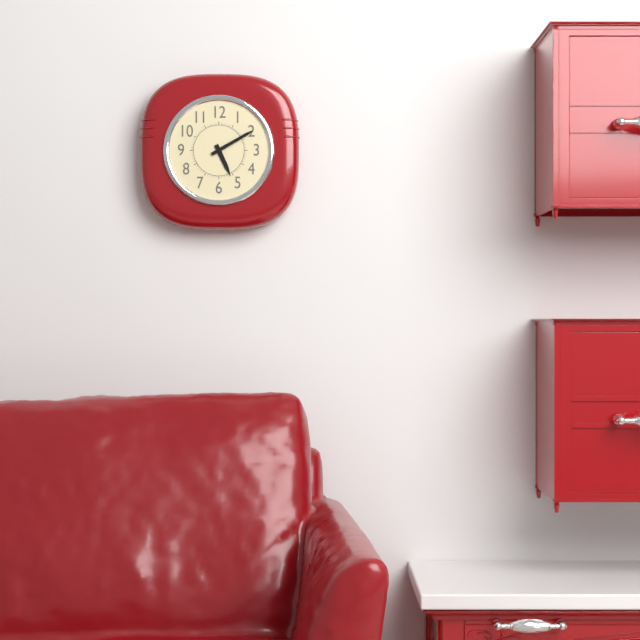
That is **5:10**
